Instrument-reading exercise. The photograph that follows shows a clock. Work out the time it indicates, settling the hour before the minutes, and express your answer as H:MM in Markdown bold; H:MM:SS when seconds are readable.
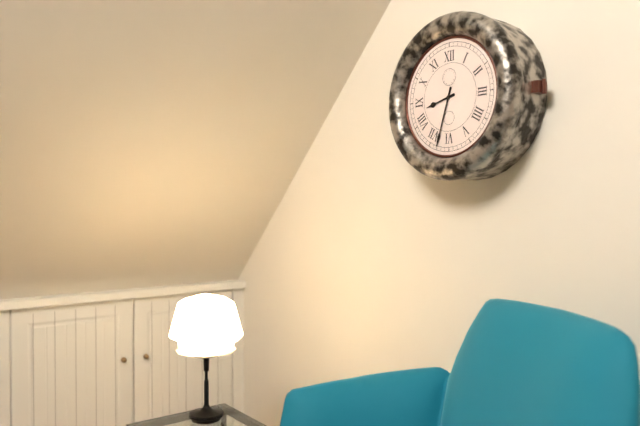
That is **8:33**
